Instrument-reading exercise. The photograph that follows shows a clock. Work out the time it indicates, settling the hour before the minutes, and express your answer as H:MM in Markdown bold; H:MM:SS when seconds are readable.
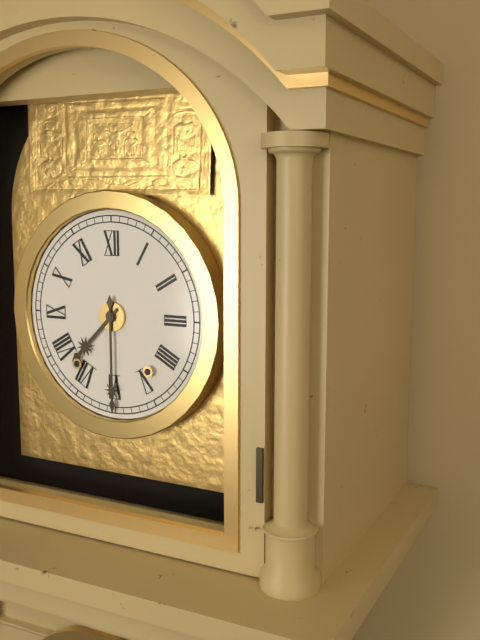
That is **7:30**
